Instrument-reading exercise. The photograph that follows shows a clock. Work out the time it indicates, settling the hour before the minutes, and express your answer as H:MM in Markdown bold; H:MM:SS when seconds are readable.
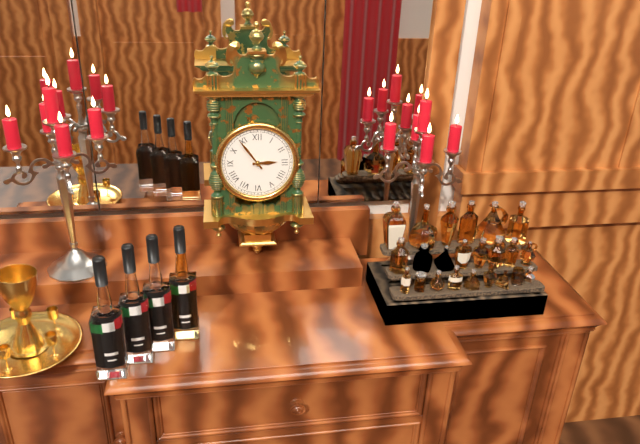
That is **2:54**
